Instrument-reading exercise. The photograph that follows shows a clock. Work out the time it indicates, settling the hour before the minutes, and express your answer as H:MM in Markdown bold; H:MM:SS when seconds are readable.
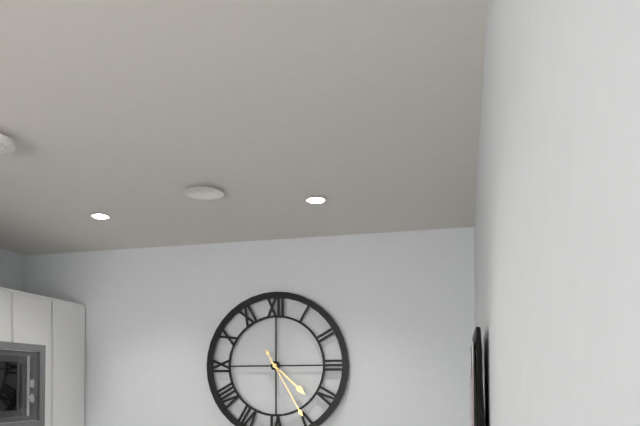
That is **4:25**
